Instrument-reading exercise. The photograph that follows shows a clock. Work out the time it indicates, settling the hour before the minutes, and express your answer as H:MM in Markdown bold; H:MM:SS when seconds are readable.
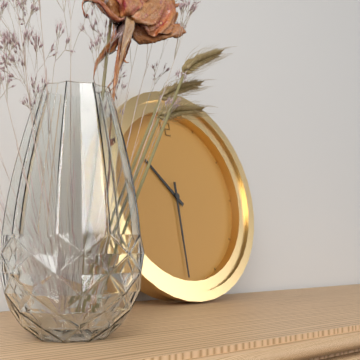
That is **10:30**
